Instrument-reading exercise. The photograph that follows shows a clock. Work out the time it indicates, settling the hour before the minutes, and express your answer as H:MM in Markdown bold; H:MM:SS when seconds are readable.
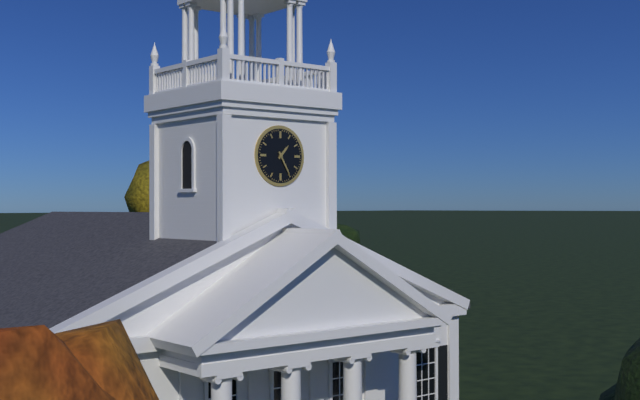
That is **1:25**
